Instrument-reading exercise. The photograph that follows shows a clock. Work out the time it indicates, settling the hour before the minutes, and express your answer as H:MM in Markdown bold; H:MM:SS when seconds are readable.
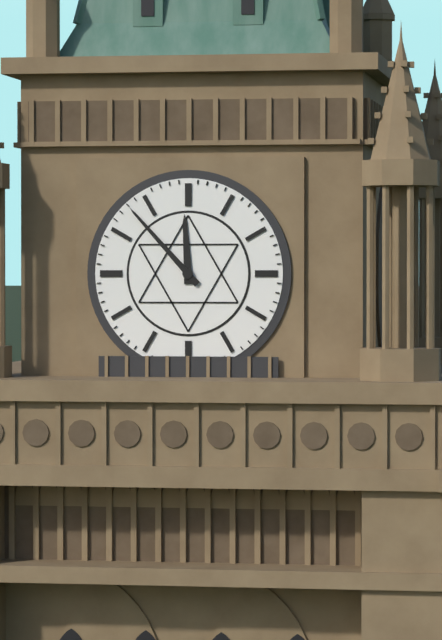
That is **11:53**
